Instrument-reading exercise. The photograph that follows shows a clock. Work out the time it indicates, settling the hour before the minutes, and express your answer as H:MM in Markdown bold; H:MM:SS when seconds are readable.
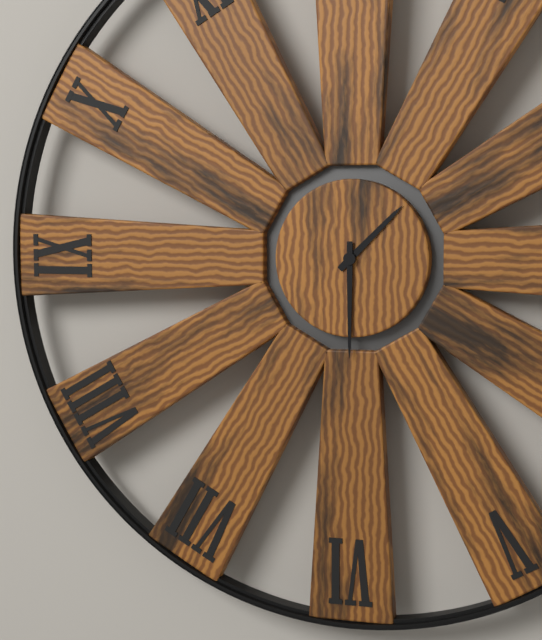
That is **1:30**
